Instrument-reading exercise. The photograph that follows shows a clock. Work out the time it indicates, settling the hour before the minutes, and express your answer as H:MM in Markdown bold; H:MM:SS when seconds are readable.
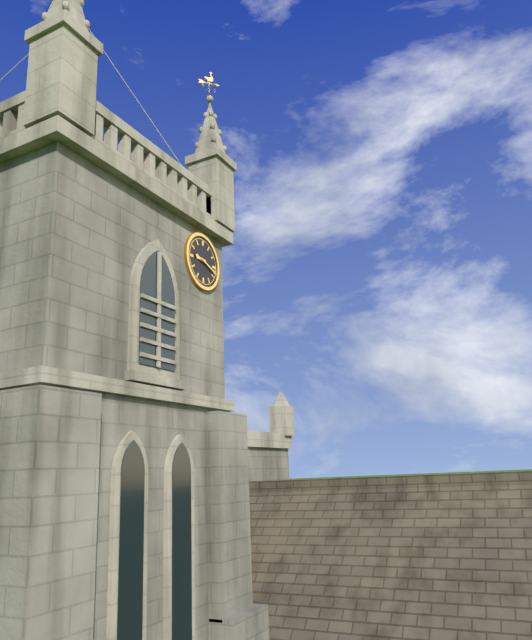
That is **9:18**
